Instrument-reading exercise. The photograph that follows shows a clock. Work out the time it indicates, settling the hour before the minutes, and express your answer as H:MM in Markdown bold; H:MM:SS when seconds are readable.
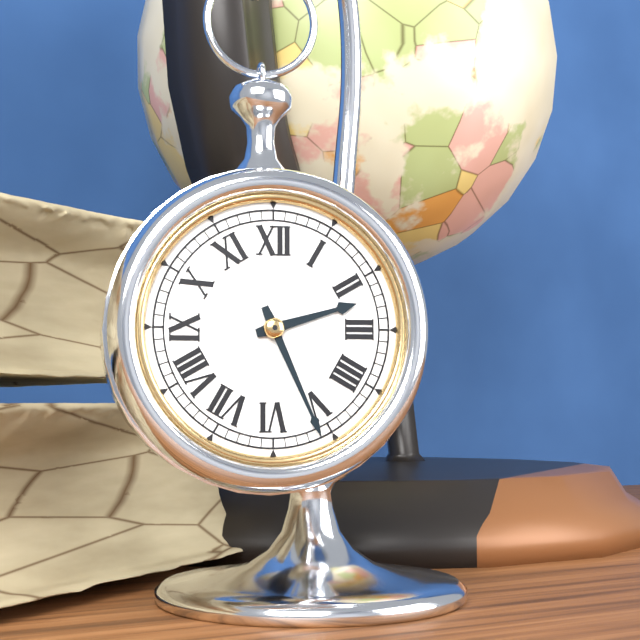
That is **2:26**
